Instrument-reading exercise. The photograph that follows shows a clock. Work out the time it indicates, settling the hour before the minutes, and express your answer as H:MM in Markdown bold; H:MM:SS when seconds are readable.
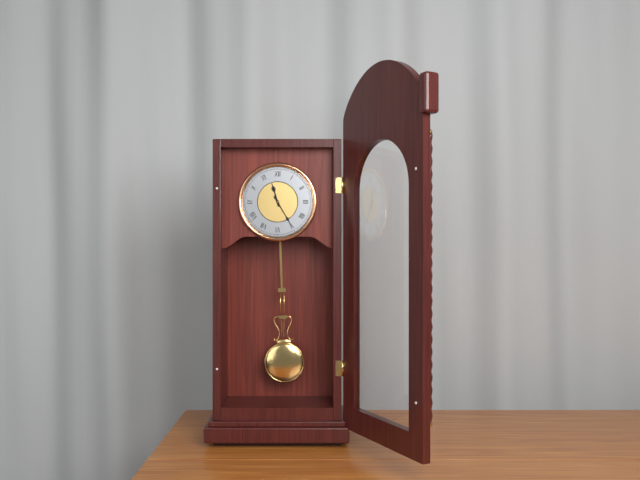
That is **11:25**
